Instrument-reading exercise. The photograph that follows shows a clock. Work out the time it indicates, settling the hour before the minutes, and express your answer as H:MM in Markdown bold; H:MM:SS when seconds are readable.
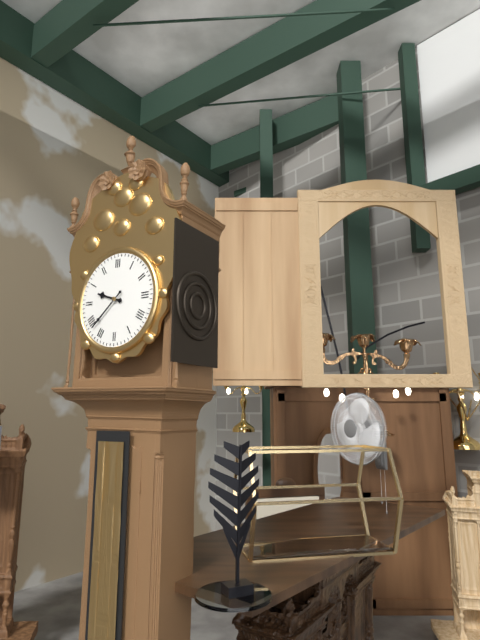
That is **9:38**
